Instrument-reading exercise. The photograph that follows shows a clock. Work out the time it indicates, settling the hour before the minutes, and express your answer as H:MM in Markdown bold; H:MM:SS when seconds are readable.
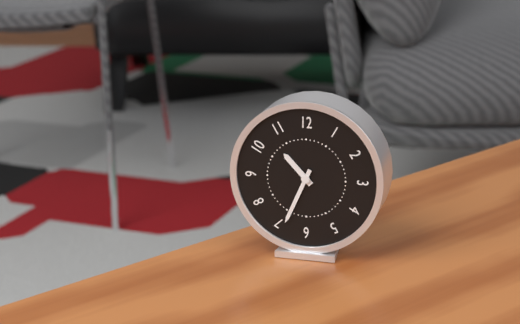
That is **10:34**
